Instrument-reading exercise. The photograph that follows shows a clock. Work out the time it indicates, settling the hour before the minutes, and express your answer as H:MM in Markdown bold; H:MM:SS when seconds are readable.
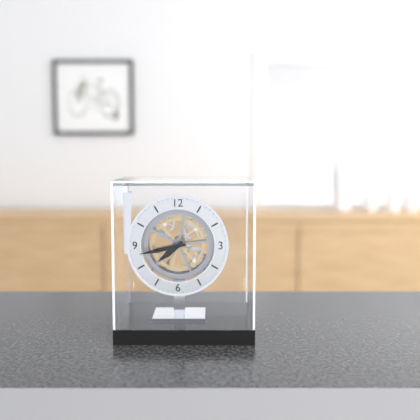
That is **7:43**
